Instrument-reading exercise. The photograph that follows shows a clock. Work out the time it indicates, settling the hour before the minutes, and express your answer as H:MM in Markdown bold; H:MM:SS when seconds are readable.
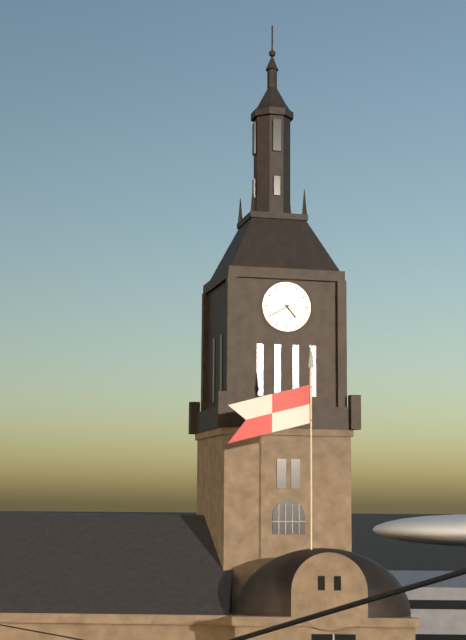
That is **4:40**
